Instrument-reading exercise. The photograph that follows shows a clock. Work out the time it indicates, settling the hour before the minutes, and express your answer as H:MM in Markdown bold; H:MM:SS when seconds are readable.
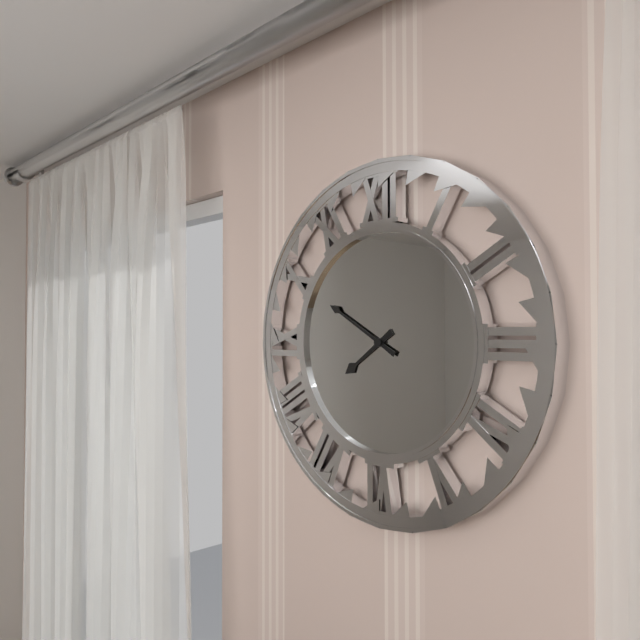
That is **7:50**
